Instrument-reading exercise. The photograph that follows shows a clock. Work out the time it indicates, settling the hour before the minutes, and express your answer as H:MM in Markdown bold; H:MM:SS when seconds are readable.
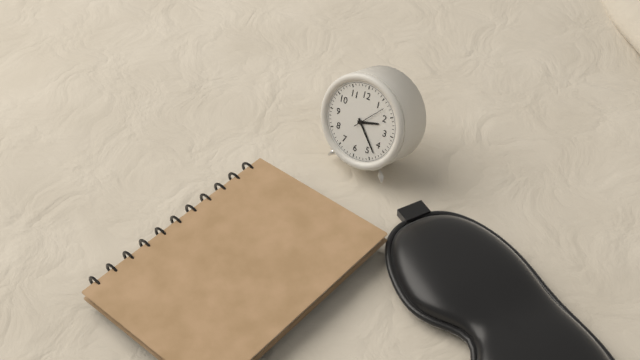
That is **2:23**
